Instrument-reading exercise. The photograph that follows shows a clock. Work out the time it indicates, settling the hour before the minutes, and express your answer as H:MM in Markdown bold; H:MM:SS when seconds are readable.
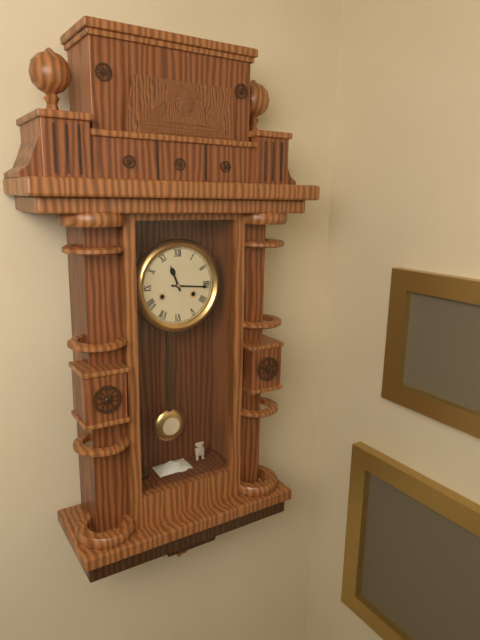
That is **11:16**
